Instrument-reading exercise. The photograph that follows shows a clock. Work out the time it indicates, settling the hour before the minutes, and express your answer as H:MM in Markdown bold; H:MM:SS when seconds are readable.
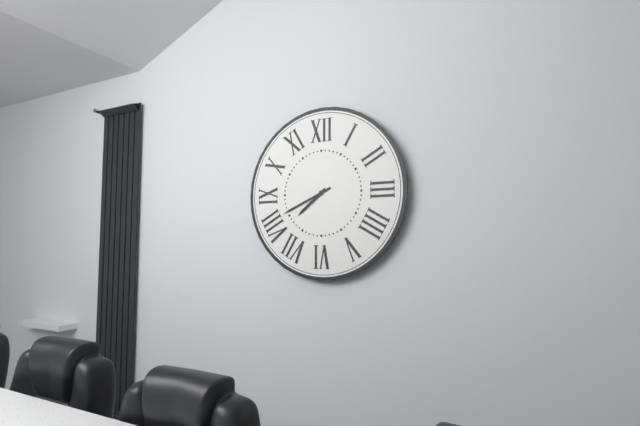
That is **7:41**
